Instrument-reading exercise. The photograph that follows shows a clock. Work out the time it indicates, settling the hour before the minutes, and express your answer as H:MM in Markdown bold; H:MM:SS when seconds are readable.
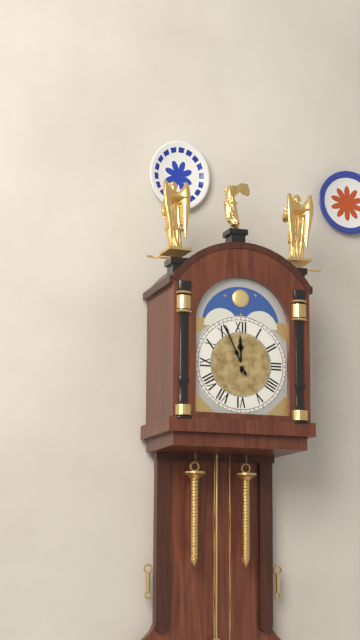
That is **11:56**
